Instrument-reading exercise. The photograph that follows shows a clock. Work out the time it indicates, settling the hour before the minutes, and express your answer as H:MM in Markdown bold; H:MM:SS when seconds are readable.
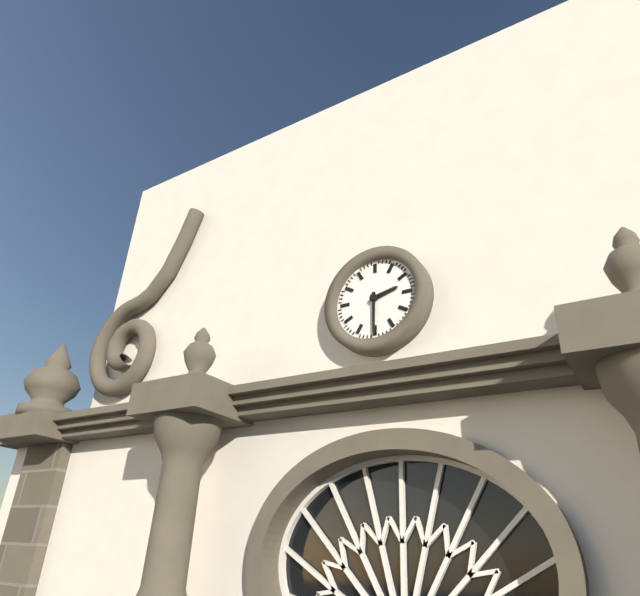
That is **2:30**
